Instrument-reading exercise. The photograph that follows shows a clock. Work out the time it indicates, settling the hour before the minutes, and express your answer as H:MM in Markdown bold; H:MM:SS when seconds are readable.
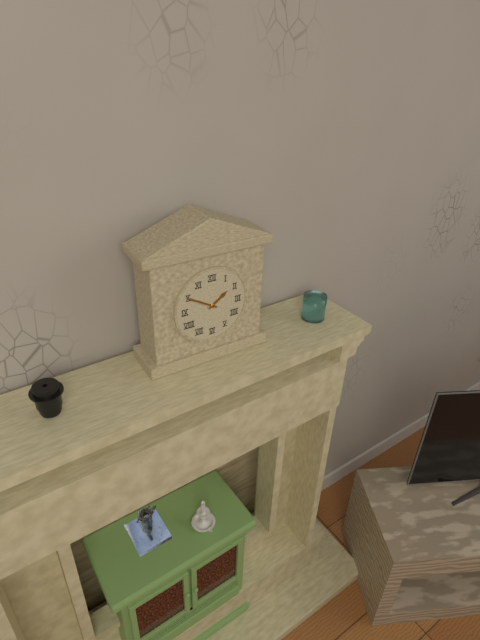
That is **1:50**
